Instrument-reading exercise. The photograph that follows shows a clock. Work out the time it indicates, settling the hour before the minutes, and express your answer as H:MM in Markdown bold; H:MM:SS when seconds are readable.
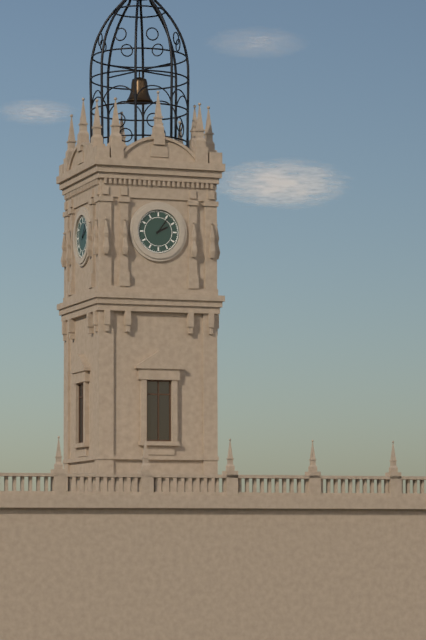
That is **2:06**
